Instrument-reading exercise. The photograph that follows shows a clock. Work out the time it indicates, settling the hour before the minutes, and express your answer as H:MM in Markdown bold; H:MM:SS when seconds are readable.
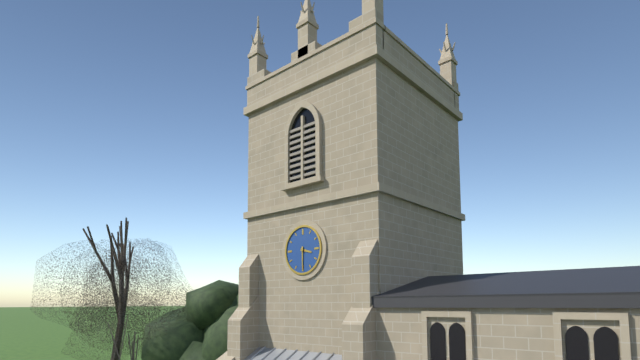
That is **3:30**
